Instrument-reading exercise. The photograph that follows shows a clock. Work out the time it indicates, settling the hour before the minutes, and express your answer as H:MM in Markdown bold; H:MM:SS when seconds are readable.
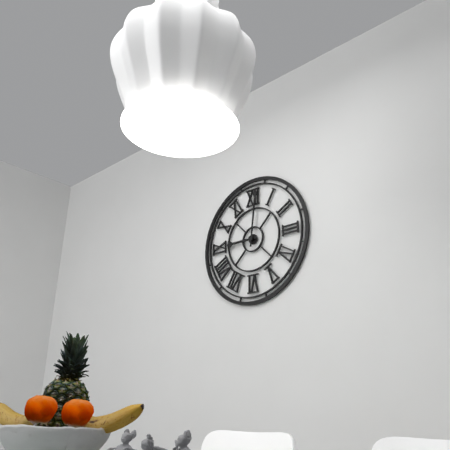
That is **9:01**
